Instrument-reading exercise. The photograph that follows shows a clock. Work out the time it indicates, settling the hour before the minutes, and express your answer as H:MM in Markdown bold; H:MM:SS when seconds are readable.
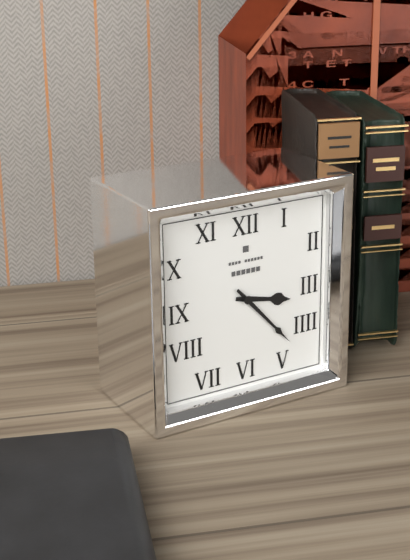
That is **3:23**
